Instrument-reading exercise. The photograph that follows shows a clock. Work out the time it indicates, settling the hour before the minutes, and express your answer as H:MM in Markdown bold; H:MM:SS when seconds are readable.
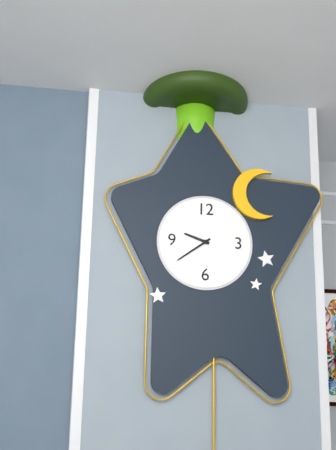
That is **9:39**
